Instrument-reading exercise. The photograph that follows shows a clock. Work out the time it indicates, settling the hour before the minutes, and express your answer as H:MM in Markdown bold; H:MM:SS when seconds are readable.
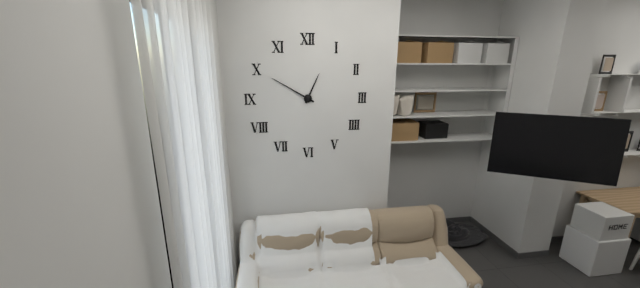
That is **12:50**
